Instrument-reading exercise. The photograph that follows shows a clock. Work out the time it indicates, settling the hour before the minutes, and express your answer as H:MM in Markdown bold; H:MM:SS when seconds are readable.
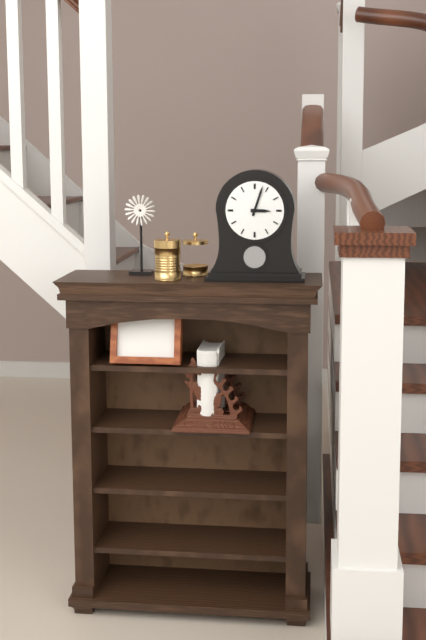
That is **3:03**
